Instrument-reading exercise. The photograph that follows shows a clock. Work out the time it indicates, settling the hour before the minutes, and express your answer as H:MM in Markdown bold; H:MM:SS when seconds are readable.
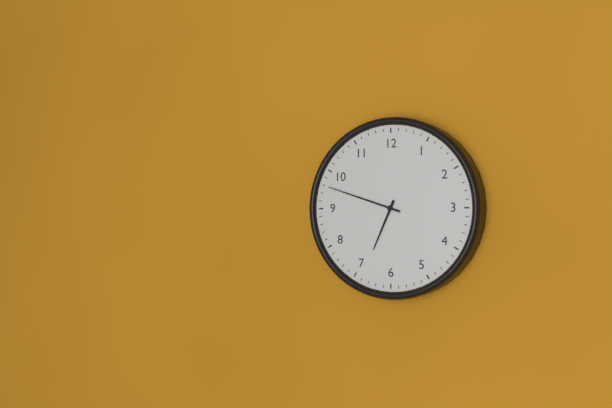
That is **6:48**
